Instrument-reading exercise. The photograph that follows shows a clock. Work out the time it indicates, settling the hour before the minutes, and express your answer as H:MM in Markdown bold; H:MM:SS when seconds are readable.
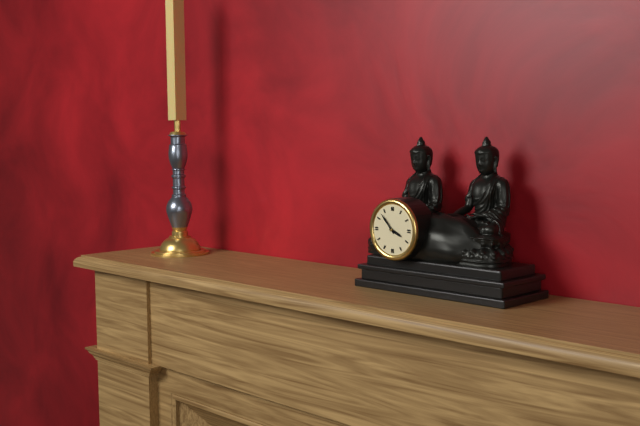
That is **3:53**
